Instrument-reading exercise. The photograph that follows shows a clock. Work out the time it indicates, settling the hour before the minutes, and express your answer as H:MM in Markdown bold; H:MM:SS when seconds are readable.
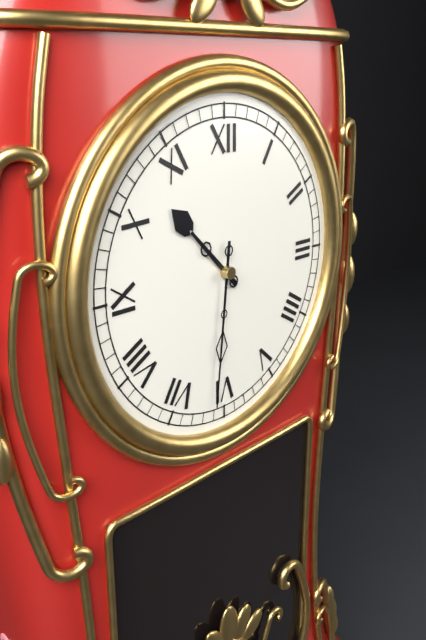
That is **10:31**
